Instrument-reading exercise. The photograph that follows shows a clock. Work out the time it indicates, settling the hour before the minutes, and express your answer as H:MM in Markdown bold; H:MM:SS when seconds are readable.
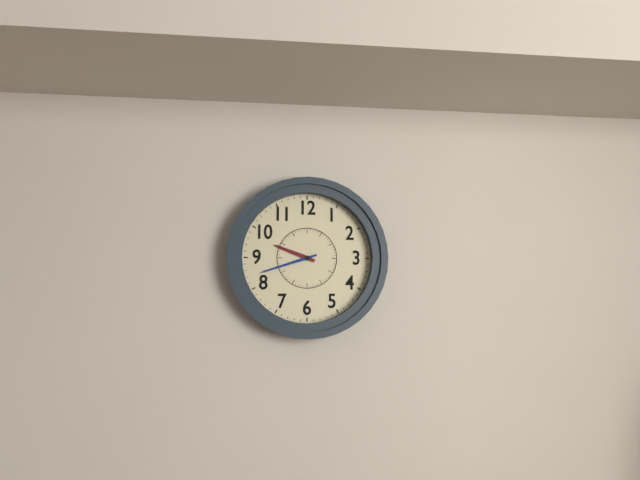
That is **9:42**
